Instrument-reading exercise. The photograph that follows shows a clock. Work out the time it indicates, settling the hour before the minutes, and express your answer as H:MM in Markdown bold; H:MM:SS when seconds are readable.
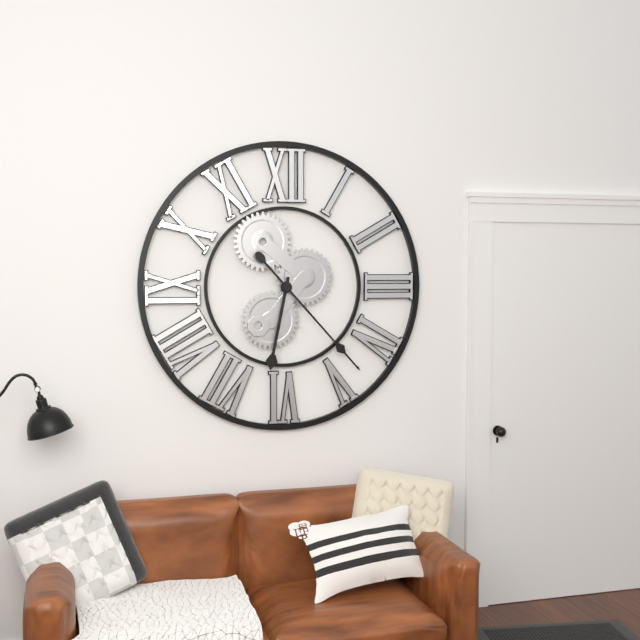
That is **6:23**
